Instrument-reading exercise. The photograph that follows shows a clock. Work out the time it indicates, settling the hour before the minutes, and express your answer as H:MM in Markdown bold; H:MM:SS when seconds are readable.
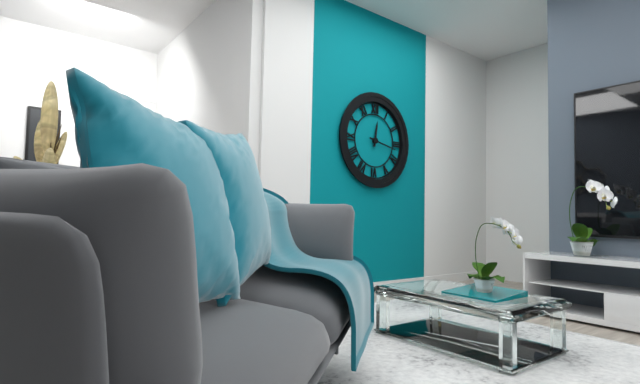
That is **12:17**
